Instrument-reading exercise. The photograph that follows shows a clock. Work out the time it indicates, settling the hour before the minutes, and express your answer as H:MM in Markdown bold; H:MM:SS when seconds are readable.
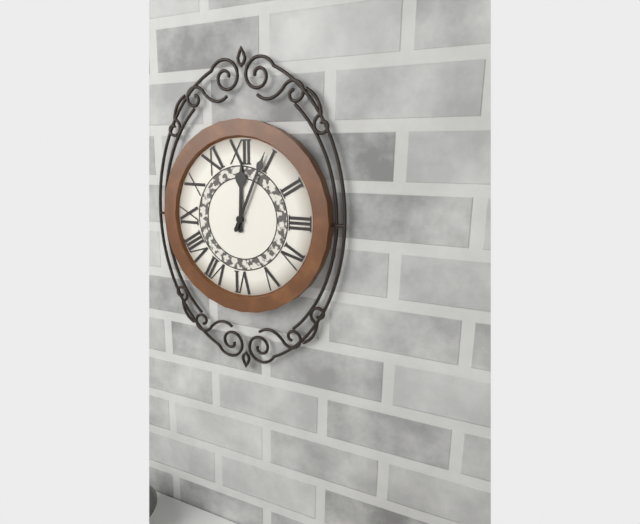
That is **12:04**
